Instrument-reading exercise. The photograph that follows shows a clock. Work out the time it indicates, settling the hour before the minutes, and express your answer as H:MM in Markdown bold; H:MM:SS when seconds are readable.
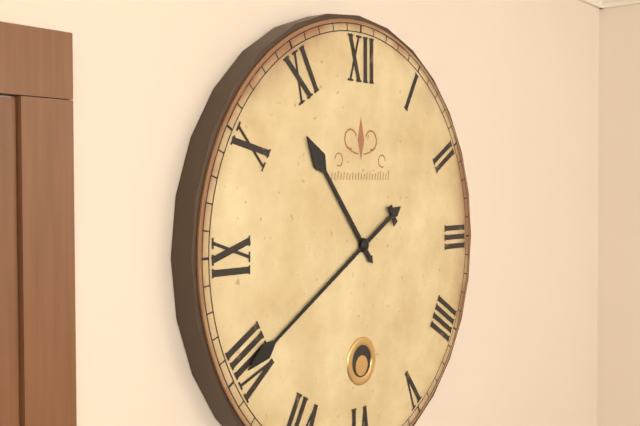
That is **10:40**
